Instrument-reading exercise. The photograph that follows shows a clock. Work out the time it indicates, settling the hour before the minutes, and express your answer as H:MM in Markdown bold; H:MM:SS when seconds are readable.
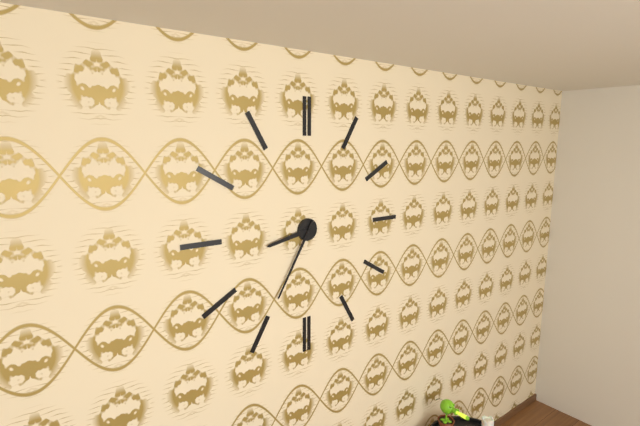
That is **8:35**
